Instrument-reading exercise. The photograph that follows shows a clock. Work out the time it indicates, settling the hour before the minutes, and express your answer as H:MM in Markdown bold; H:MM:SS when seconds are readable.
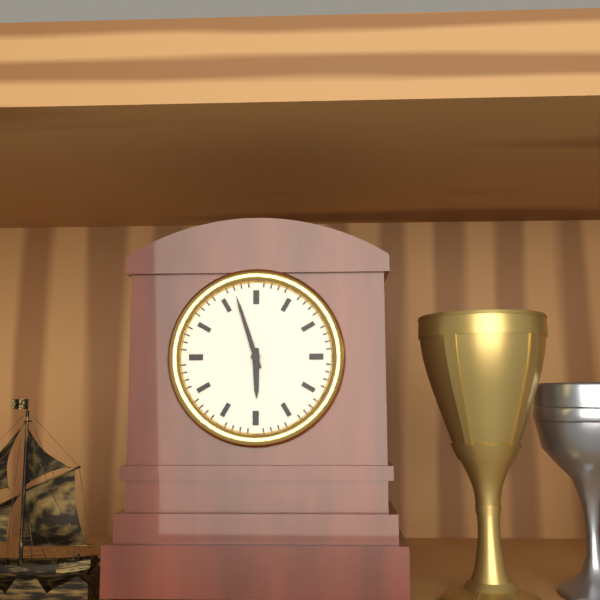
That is **5:57**
